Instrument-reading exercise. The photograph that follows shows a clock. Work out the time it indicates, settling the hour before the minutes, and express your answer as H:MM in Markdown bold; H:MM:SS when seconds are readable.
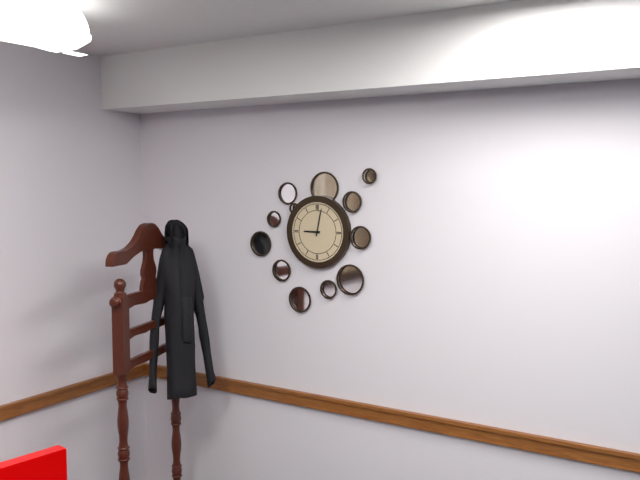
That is **9:02**
